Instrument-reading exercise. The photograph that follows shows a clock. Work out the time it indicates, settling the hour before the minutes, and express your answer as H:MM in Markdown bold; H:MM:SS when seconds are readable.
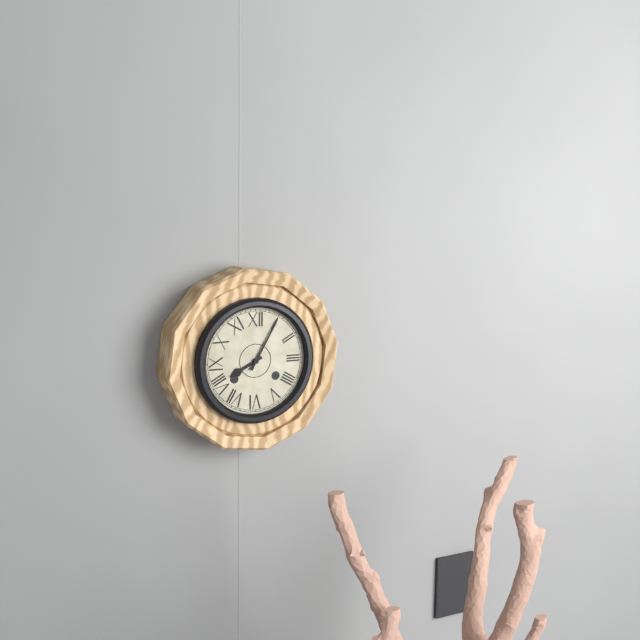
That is **8:05**
